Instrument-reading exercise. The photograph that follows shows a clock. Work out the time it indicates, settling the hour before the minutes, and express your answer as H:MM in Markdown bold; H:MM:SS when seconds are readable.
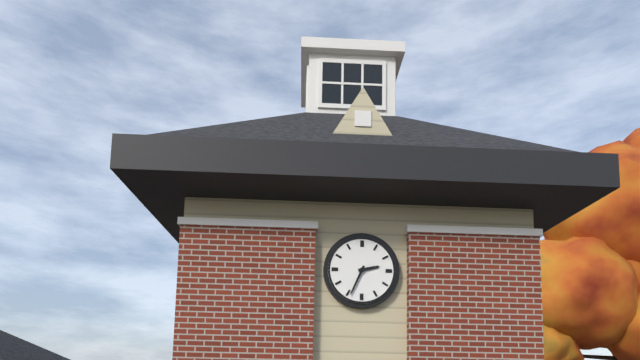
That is **2:34**
